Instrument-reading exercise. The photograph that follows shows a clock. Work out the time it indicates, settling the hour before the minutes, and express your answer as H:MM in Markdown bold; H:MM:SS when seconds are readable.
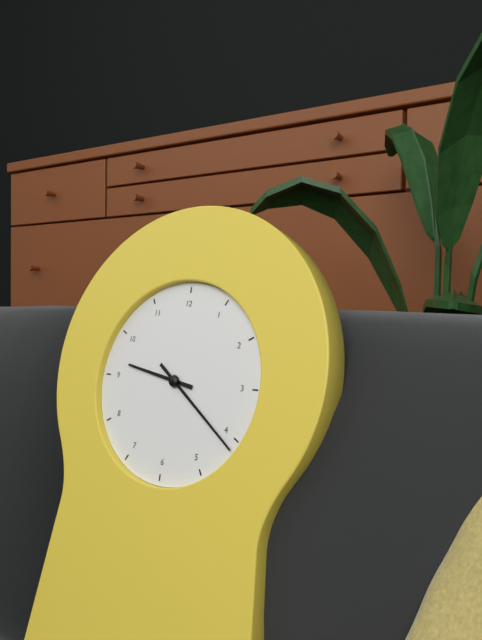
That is **9:21**
